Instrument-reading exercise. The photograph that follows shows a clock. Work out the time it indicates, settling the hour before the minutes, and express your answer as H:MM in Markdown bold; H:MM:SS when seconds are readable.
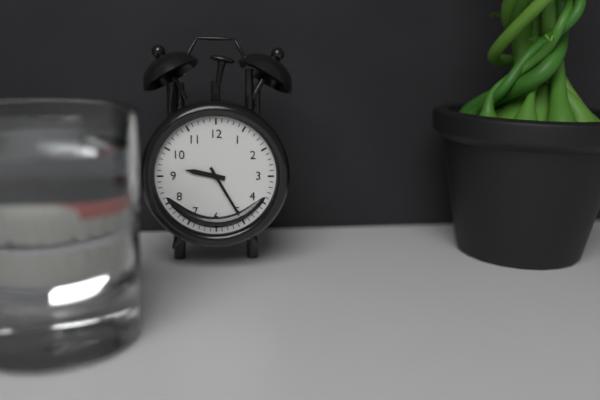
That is **9:25**
